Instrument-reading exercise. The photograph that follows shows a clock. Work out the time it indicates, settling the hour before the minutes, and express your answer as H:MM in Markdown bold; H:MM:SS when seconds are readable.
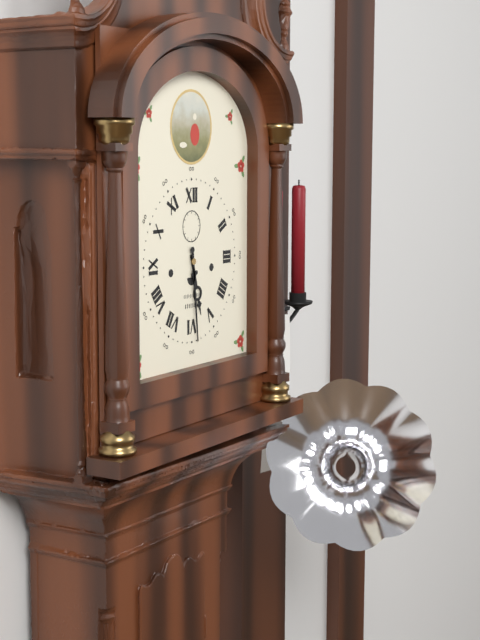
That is **5:29**
